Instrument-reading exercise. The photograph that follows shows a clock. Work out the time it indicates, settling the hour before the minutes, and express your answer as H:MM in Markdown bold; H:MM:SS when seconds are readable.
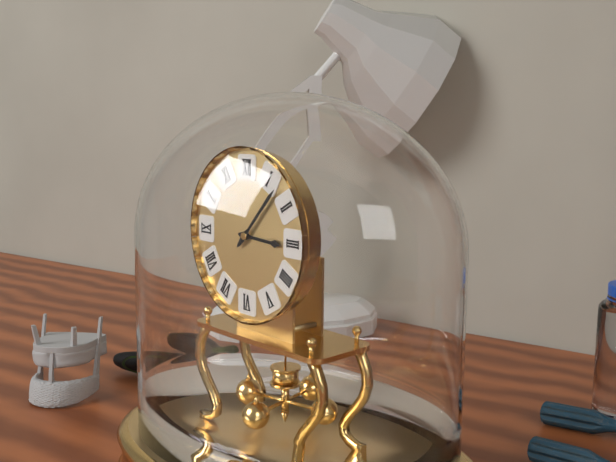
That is **3:07**
